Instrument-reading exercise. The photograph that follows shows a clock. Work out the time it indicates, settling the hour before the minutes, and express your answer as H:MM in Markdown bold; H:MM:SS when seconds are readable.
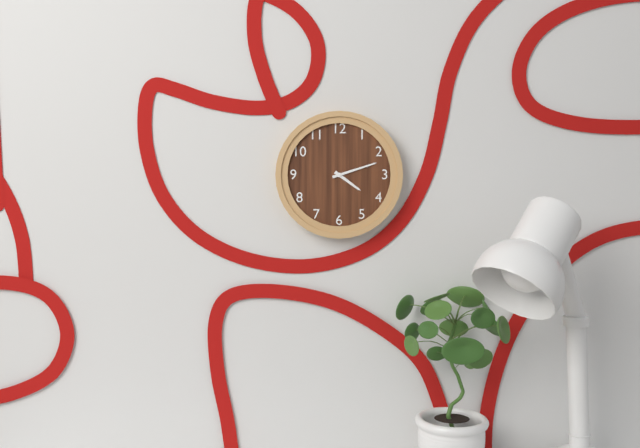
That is **4:12**
